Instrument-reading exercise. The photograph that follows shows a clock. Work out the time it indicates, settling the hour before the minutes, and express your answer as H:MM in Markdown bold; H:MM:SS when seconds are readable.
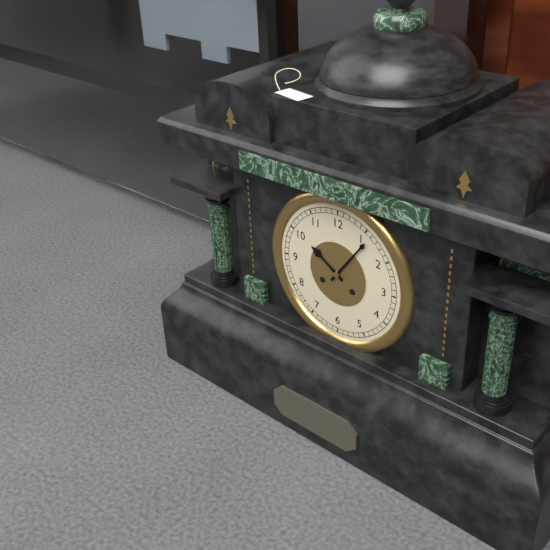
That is **10:06**
